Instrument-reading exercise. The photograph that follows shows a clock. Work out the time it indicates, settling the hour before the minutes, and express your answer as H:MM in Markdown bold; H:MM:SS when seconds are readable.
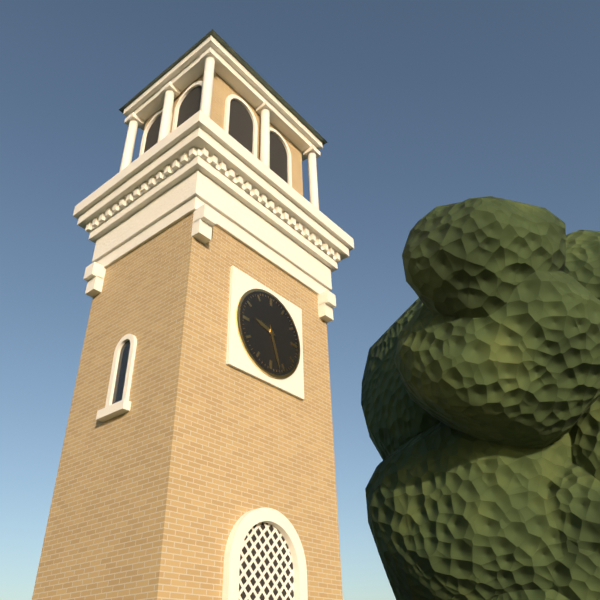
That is **9:27**
